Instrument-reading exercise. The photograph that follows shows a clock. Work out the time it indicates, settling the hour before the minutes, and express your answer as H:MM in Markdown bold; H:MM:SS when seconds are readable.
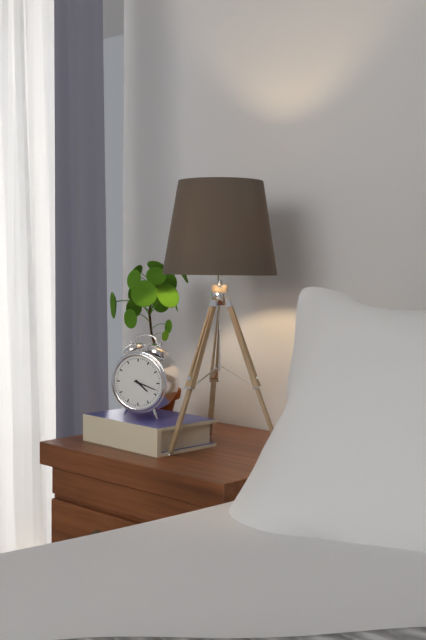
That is **4:18**
